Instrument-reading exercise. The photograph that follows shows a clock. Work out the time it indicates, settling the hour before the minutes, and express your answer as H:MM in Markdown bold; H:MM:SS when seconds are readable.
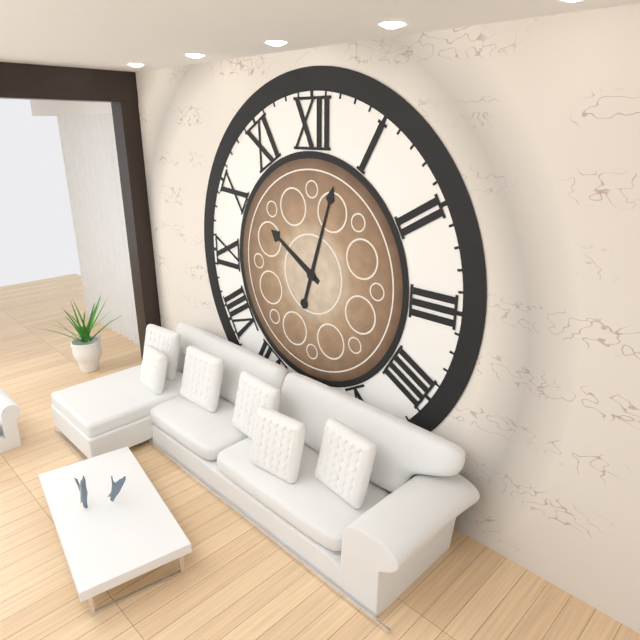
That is **10:03**
